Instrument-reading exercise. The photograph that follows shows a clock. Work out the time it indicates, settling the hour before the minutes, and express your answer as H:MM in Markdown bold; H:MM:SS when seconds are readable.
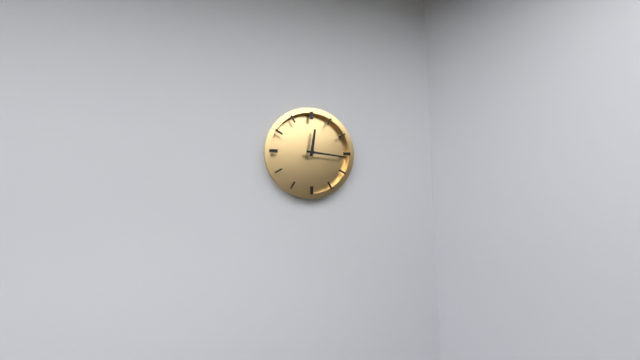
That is **12:16**
